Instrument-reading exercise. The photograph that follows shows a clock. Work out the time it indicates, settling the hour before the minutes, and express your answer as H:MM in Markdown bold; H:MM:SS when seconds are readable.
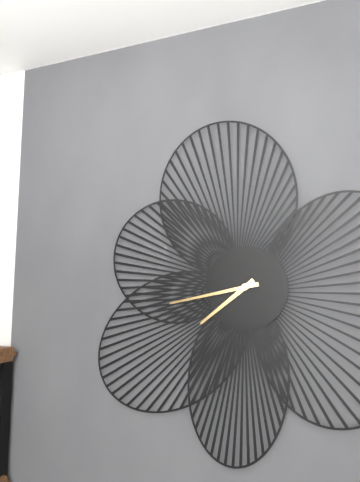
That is **7:43**
